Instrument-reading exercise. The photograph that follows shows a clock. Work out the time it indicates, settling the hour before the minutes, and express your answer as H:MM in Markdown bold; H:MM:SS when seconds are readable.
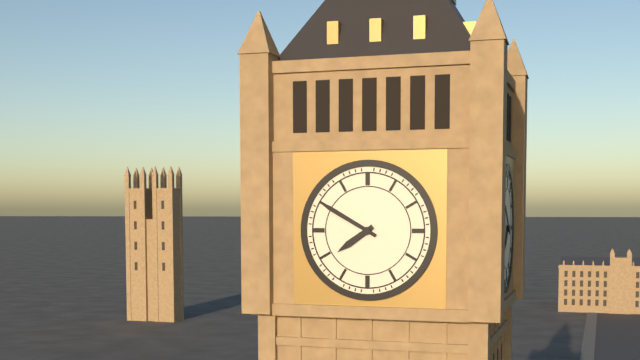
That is **7:50**
